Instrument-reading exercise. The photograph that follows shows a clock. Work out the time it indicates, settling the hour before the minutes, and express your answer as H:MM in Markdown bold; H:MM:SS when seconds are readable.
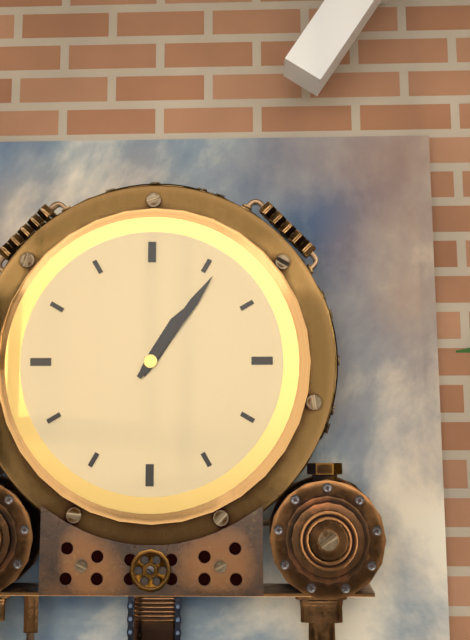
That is **1:06**
